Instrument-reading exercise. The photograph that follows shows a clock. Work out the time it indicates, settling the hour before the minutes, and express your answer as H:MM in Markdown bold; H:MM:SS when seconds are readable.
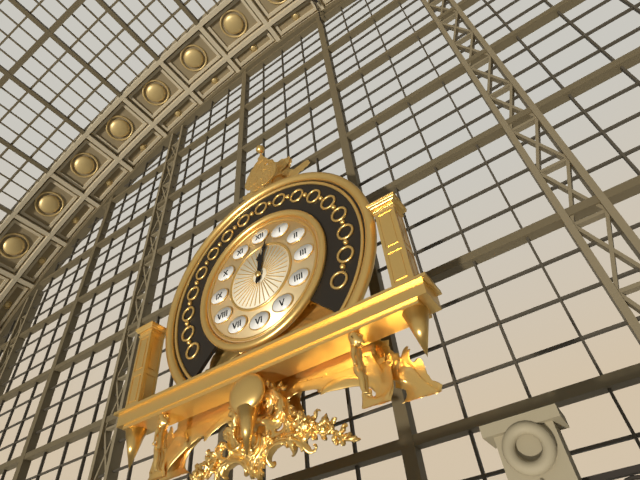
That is **12:02**
